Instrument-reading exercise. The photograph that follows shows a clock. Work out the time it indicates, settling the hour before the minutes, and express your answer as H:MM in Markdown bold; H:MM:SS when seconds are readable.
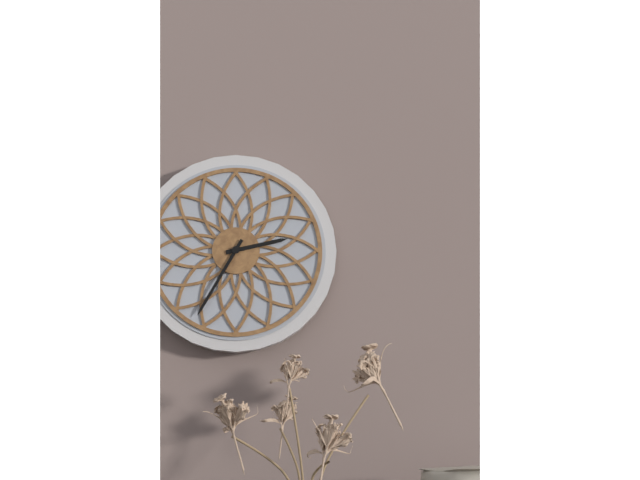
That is **2:35**
